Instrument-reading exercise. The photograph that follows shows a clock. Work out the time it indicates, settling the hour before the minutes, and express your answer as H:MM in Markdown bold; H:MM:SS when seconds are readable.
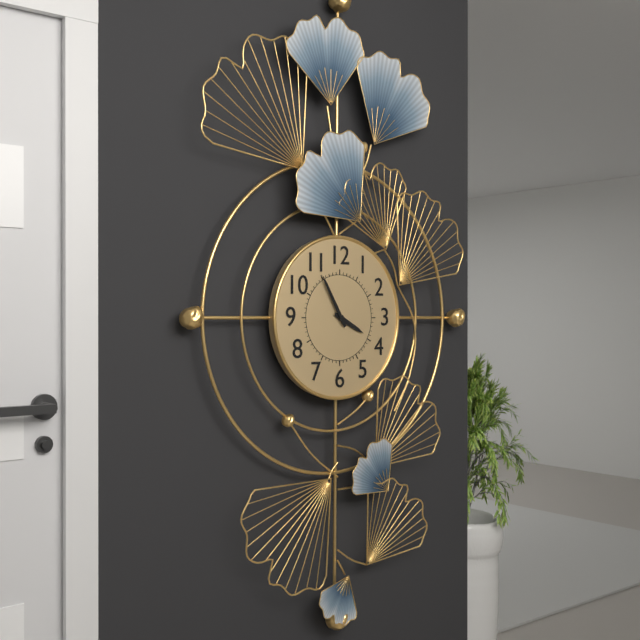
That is **3:55**
